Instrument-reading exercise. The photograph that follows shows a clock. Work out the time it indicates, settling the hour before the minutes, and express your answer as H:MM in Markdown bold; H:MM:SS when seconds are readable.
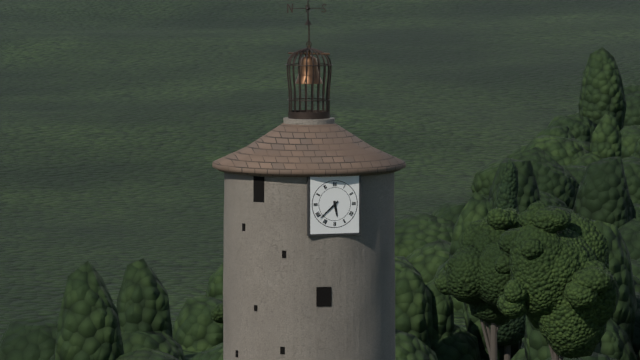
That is **5:38**
